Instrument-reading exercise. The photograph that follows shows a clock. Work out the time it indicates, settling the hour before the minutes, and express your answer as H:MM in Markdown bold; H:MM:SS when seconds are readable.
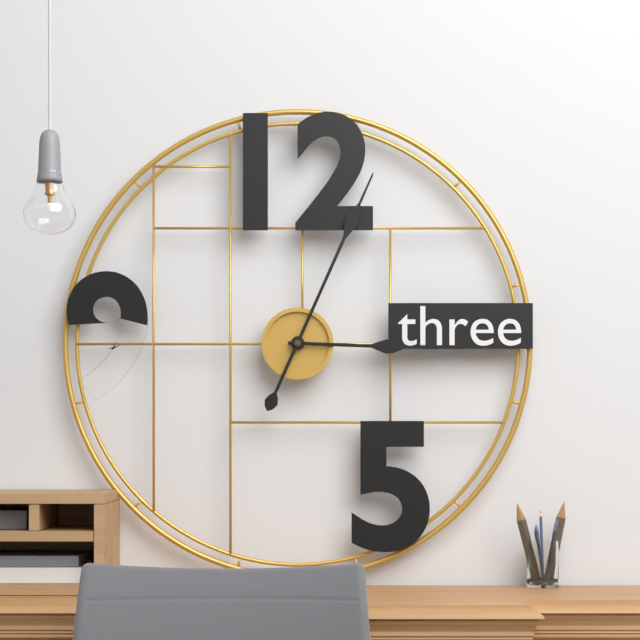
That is **3:04**
